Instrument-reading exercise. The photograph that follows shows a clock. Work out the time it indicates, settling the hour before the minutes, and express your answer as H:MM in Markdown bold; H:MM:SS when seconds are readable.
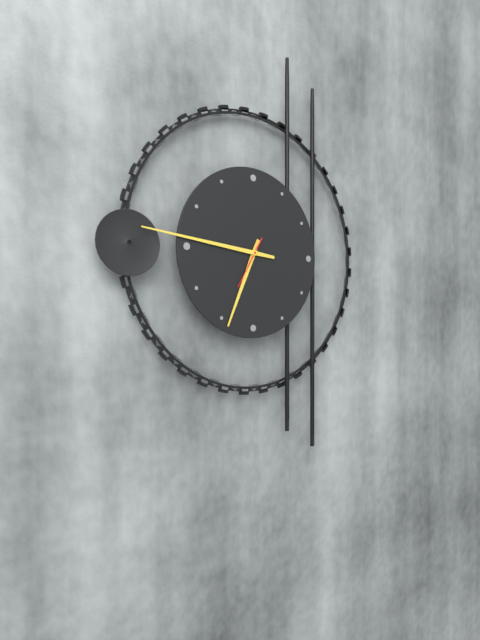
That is **6:46**
